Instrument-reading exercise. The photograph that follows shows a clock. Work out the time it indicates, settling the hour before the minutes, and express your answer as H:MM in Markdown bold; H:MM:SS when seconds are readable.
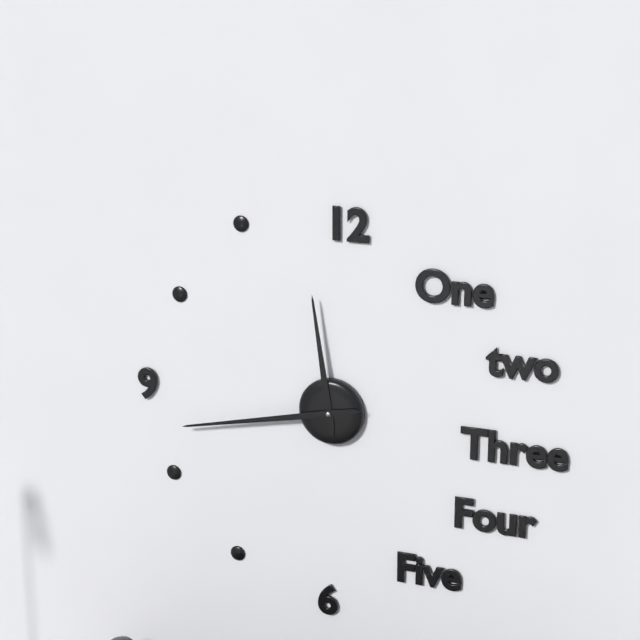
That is **11:43**
